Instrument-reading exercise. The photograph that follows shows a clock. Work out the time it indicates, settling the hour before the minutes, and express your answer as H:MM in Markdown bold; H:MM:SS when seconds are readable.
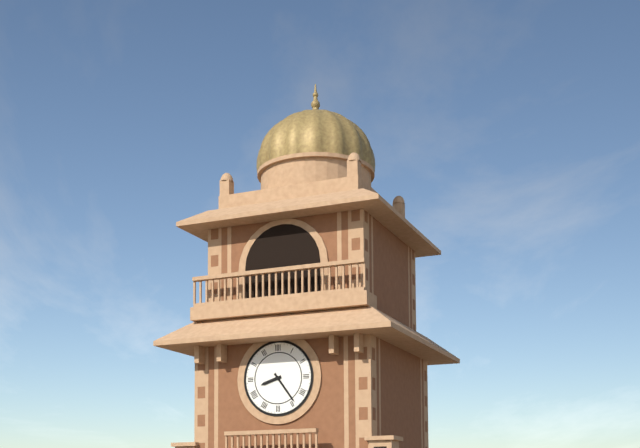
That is **8:24**
